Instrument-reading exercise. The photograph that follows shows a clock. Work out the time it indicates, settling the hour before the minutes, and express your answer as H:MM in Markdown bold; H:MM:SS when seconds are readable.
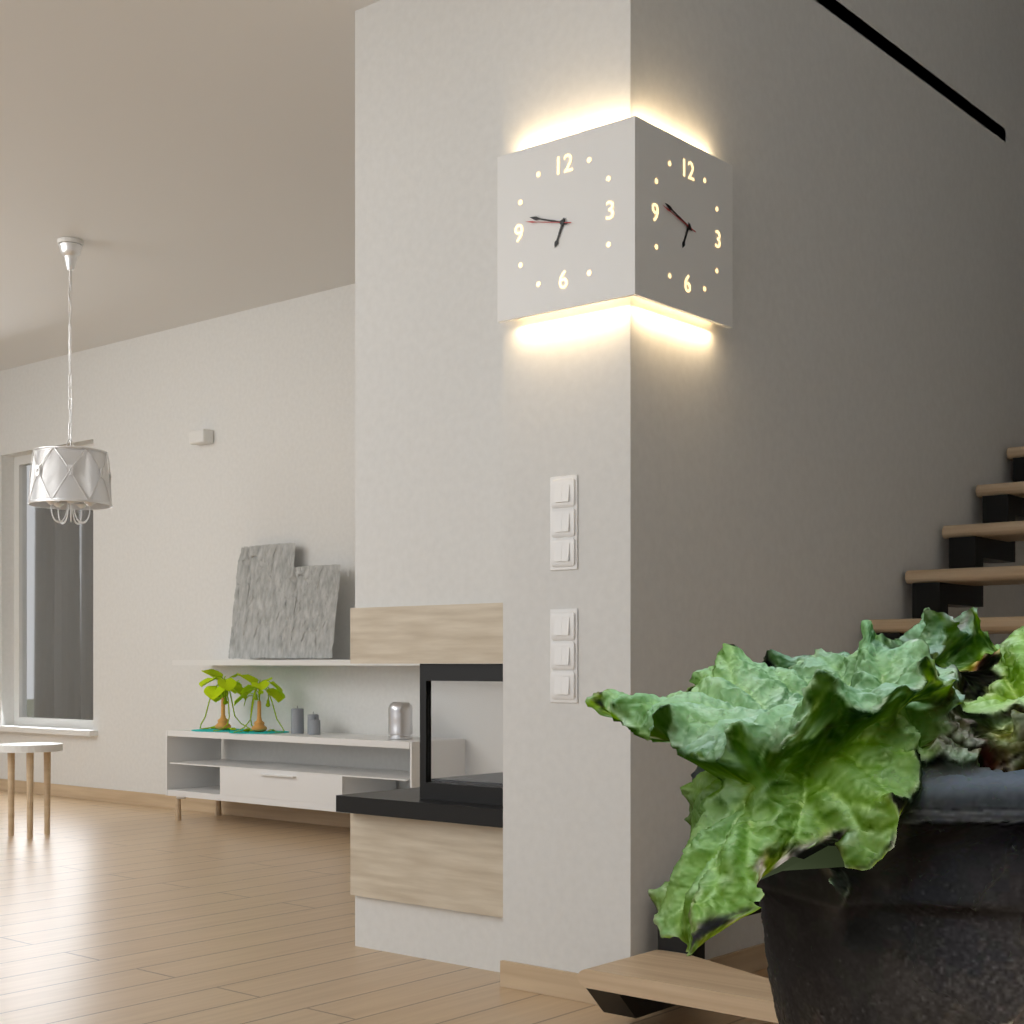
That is **6:48**
